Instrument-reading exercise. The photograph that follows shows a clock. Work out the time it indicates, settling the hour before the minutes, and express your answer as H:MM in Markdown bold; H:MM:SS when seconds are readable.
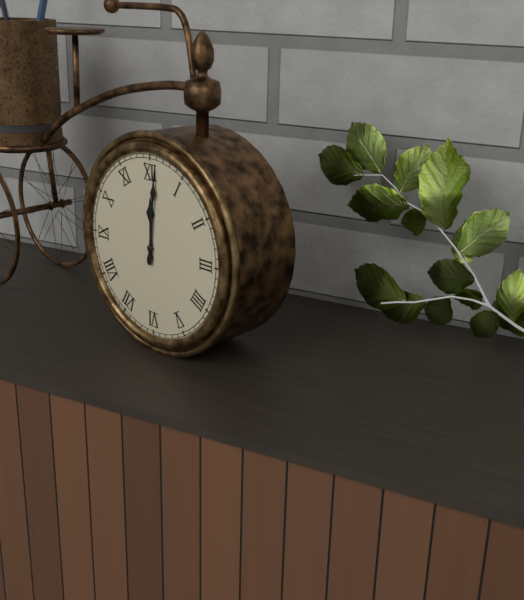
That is **12:01**
